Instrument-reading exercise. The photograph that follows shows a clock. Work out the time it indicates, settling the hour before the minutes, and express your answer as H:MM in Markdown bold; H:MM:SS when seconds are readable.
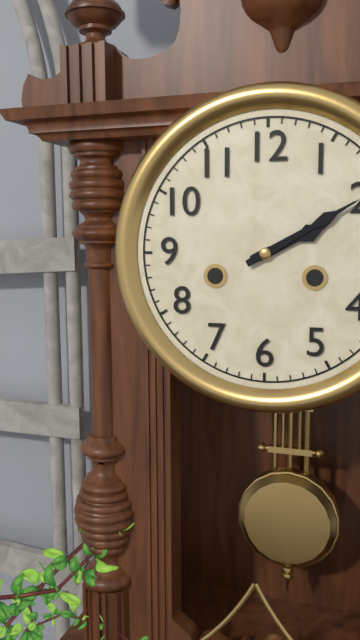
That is **2:10**
